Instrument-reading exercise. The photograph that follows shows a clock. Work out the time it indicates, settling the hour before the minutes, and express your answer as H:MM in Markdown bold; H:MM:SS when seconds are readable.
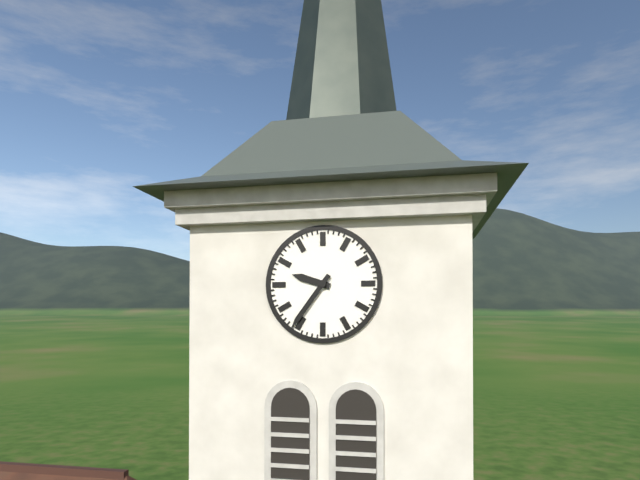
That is **9:36**
